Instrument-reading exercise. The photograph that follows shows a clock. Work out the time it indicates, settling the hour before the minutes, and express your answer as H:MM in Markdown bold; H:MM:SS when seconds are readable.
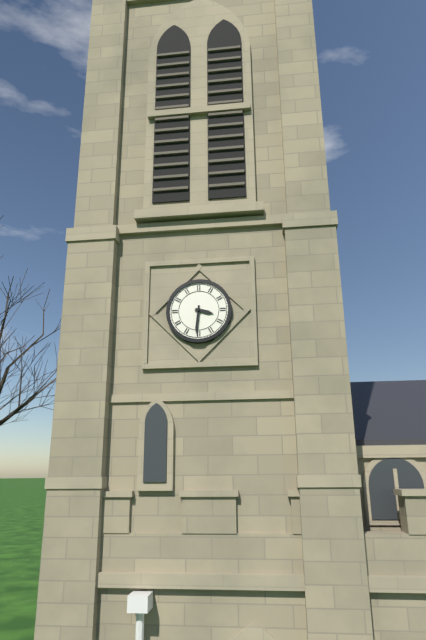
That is **3:31**
